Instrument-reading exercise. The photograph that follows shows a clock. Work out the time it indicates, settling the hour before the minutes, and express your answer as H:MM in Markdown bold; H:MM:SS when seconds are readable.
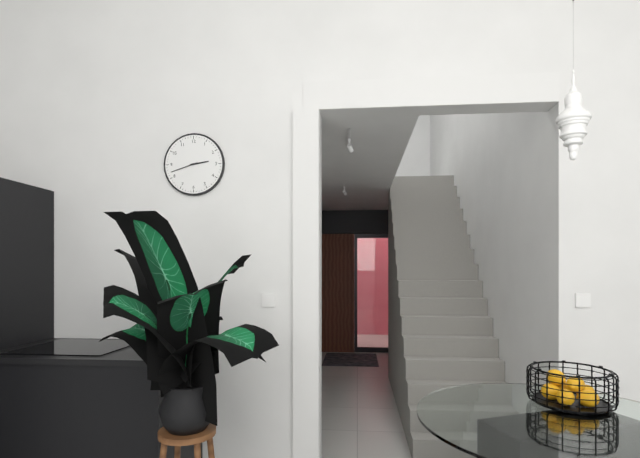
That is **2:42**
